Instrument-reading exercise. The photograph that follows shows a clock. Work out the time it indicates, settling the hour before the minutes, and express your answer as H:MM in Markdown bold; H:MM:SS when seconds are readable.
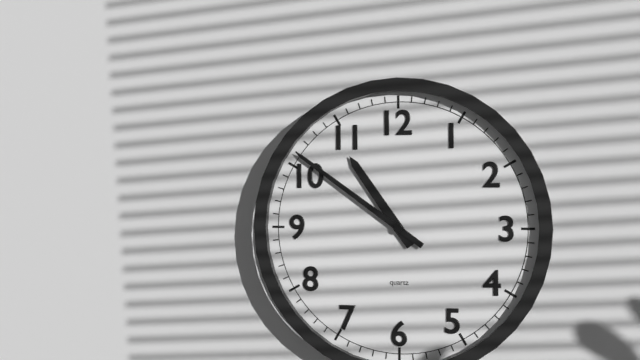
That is **10:51**
